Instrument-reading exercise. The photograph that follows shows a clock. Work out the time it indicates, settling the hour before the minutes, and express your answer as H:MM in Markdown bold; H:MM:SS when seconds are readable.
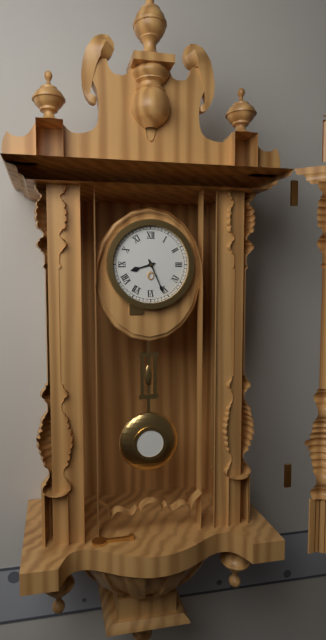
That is **8:26**
